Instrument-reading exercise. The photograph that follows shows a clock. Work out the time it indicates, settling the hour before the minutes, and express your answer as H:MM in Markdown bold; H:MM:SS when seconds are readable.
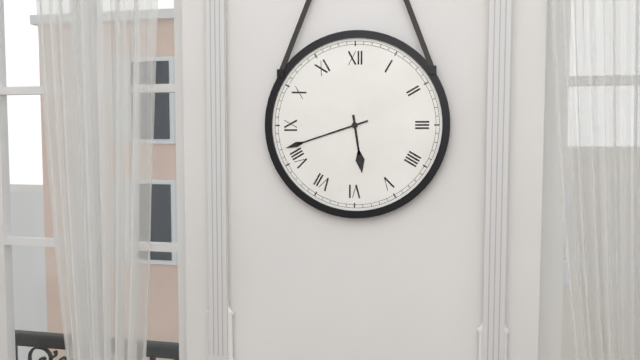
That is **5:42**
